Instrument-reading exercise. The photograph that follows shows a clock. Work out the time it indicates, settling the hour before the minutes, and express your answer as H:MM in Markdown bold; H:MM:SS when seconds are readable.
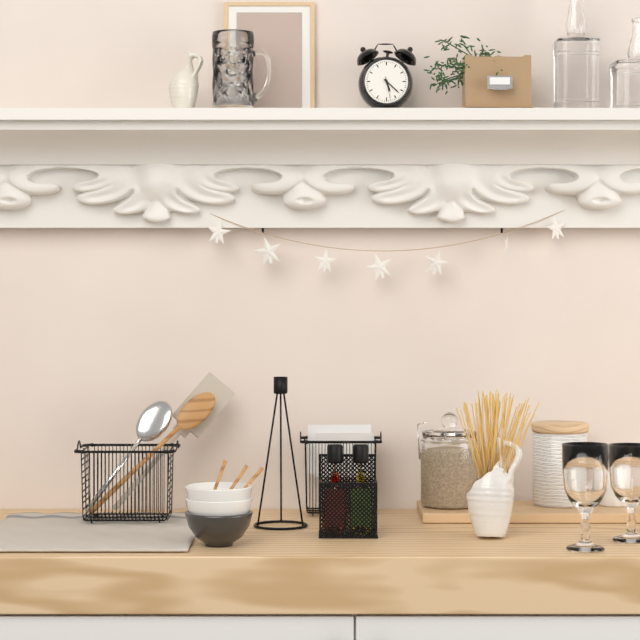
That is **5:22**
